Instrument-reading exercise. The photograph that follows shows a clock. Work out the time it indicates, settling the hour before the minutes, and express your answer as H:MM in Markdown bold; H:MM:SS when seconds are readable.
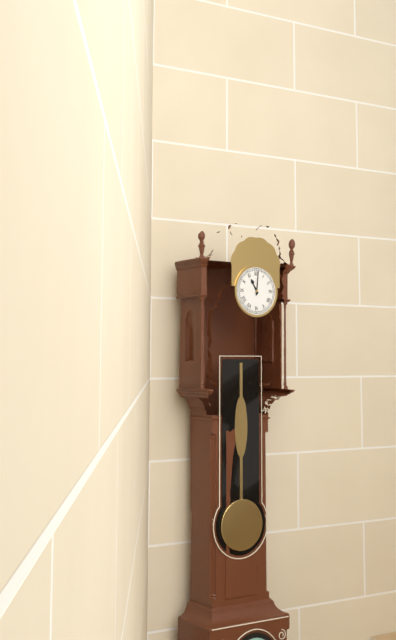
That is **11:01**
